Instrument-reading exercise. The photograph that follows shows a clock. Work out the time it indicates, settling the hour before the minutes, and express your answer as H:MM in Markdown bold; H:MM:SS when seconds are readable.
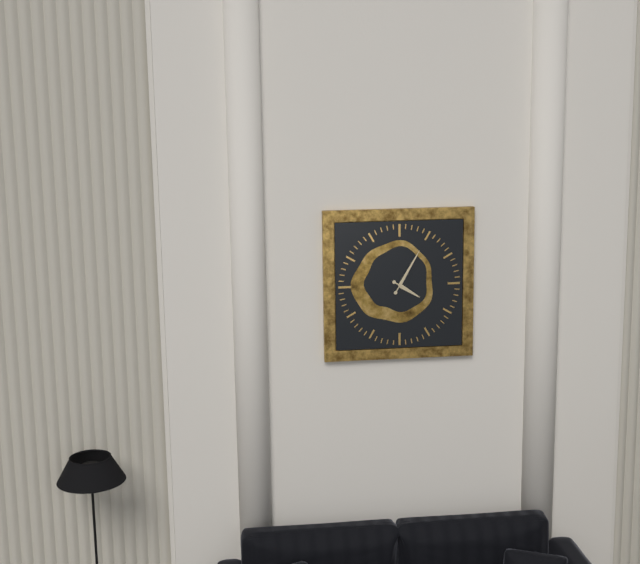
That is **4:05**
